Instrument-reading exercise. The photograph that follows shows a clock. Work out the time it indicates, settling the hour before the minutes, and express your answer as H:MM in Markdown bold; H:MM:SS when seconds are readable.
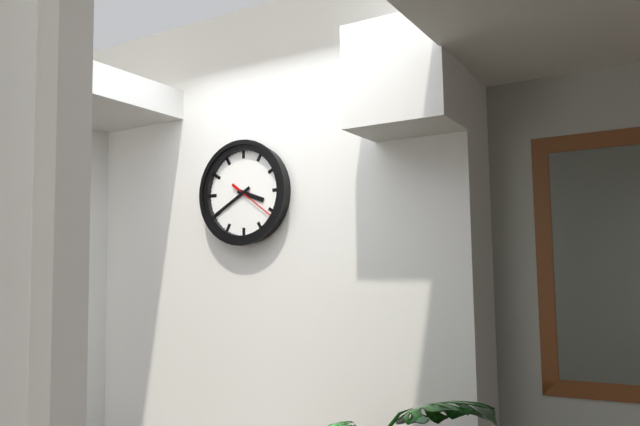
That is **3:40**
